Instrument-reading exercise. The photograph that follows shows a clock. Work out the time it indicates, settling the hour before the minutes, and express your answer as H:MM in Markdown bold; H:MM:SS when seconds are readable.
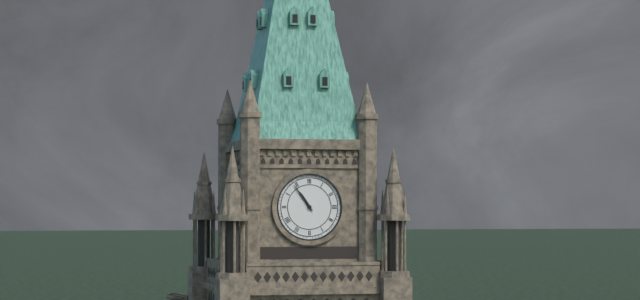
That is **10:54**
